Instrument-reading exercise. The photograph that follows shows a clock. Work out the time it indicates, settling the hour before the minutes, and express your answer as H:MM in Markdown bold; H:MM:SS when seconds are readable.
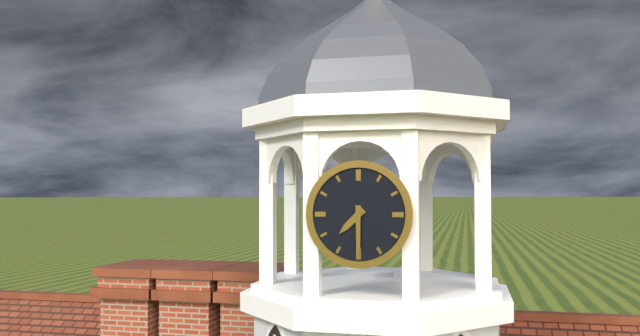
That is **7:30**
